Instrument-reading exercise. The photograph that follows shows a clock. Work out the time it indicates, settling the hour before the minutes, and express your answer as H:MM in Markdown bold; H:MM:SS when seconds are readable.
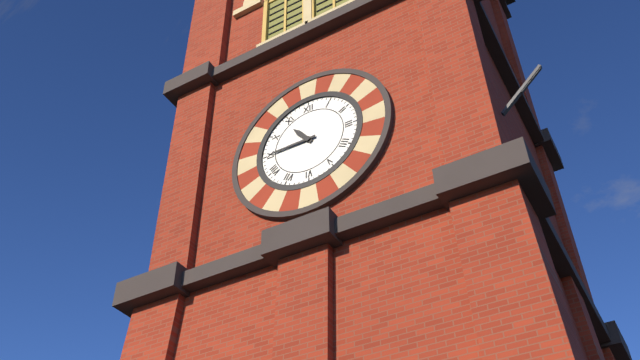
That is **10:45**
